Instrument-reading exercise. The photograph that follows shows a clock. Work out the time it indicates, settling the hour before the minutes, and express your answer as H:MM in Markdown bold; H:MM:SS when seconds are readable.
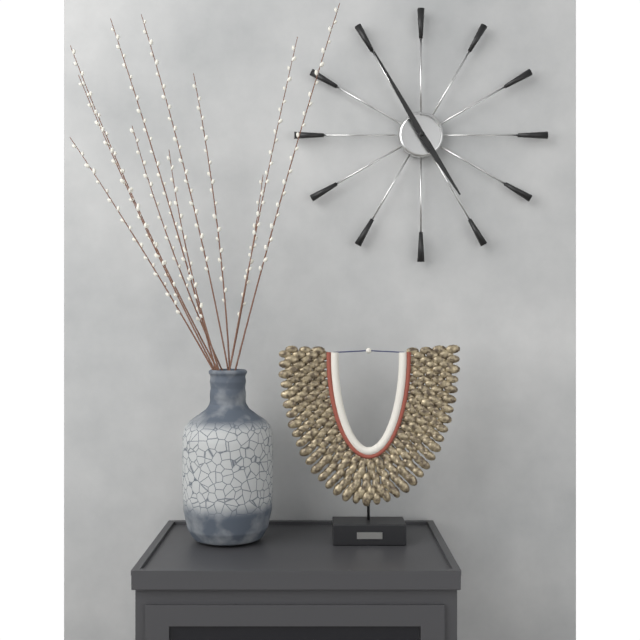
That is **4:55**
